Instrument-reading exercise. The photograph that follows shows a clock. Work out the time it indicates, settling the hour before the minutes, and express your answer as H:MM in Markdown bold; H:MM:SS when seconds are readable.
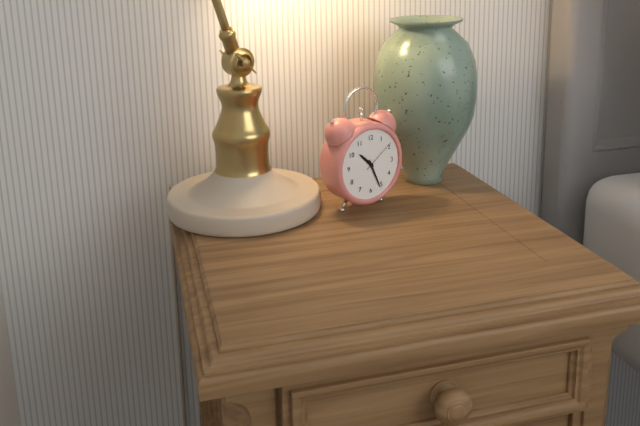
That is **10:26**
